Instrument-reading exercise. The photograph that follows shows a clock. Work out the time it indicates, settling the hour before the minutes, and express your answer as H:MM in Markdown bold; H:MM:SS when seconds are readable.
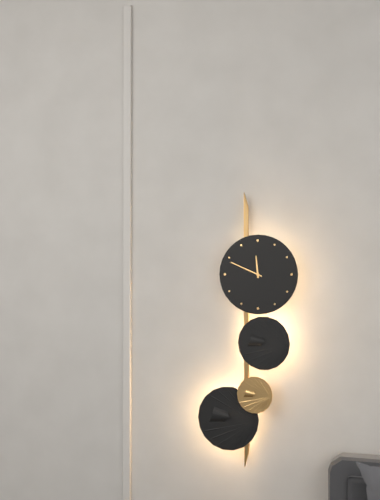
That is **11:49**
